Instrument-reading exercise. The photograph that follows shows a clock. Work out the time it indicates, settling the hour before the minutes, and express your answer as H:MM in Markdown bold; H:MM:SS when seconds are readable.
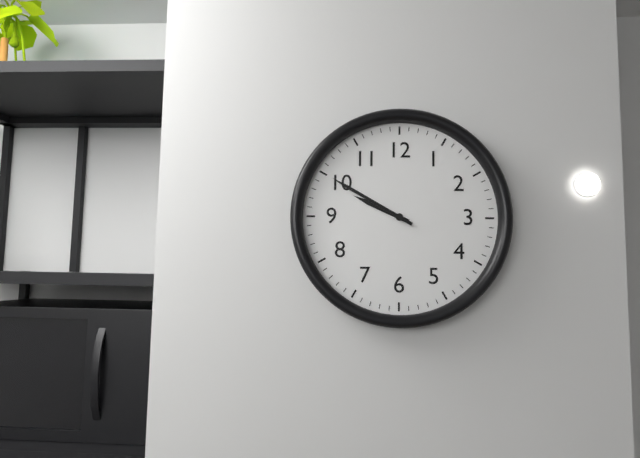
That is **9:50**
